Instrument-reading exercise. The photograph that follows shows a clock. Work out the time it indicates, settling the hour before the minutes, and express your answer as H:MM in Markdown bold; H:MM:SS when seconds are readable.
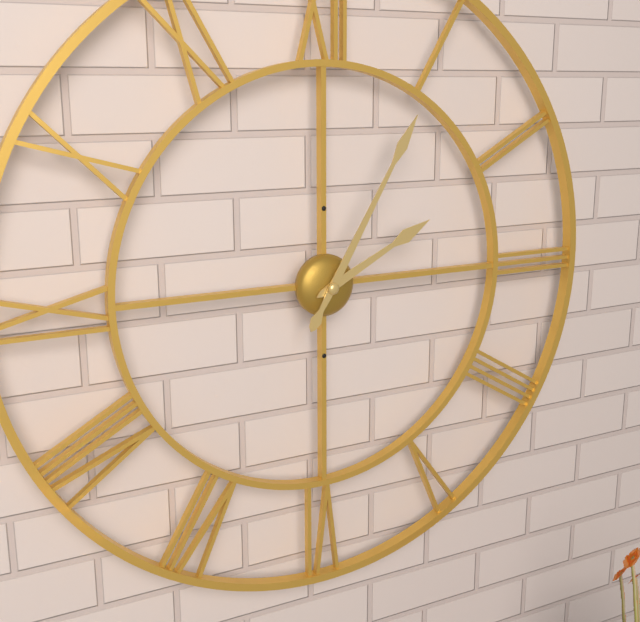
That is **2:05**
